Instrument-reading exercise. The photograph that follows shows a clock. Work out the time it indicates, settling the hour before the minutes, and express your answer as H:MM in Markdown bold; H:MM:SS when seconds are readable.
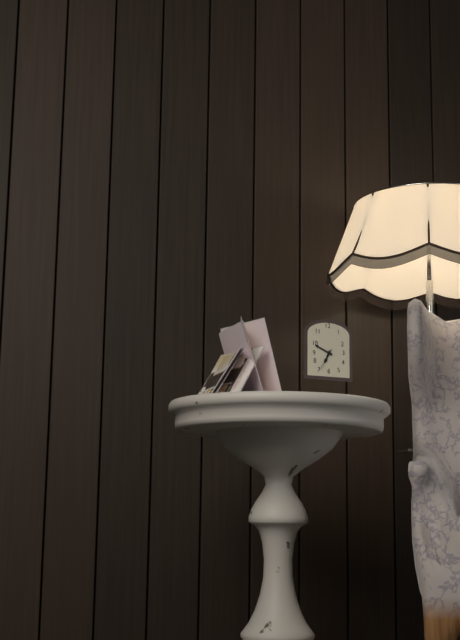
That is **6:49**
